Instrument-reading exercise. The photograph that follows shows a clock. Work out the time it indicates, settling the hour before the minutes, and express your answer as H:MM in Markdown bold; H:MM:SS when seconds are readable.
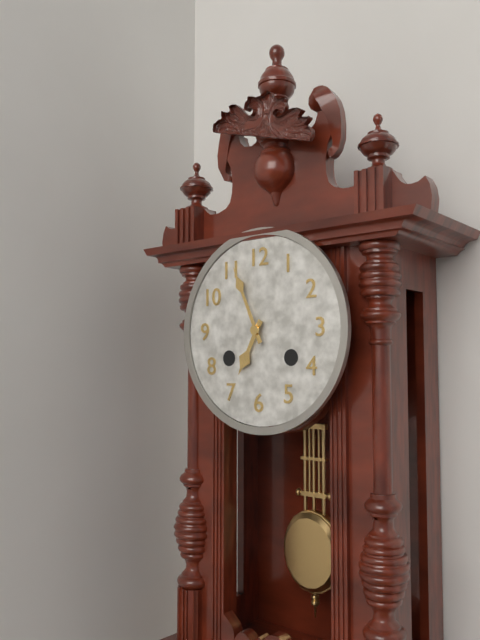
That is **6:56**
